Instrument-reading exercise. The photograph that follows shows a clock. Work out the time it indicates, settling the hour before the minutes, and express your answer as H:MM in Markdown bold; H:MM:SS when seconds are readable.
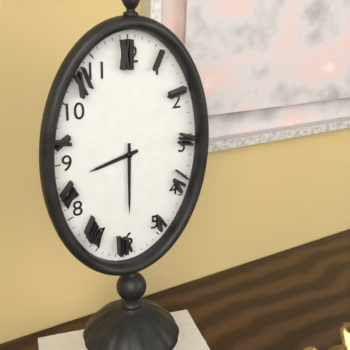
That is **8:30**
